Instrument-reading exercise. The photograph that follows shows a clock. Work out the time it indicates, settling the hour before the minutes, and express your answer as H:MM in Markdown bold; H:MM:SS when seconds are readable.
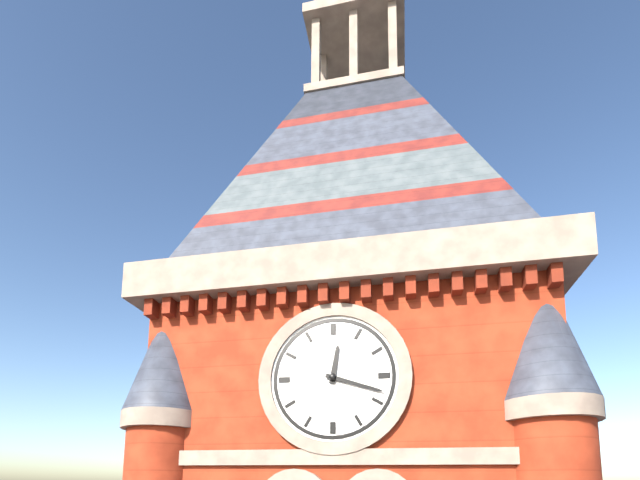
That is **12:18**
